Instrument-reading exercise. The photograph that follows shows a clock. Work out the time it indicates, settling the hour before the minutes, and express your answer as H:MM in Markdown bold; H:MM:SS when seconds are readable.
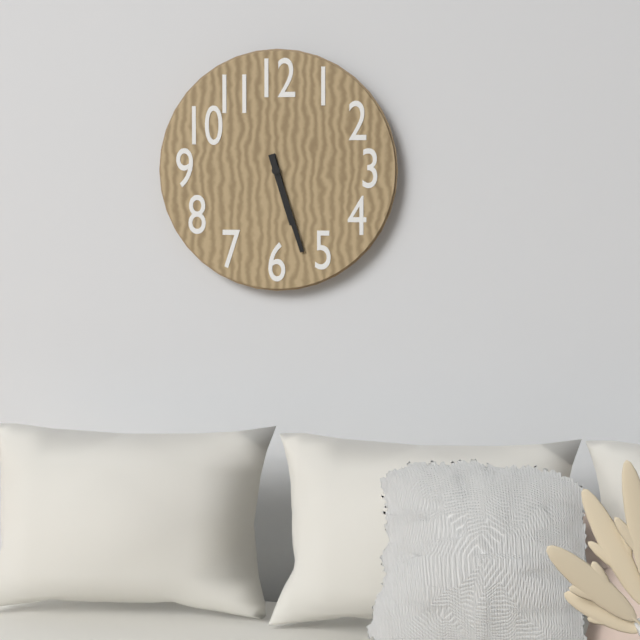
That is **5:27**
